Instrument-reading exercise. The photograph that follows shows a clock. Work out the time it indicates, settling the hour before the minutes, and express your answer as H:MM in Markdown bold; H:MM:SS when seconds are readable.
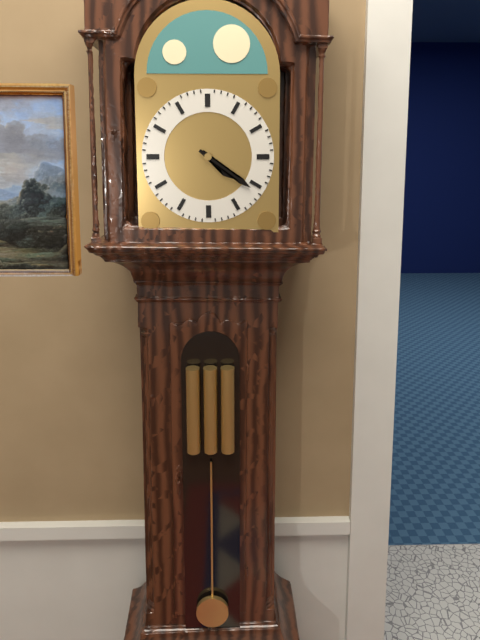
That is **4:21**
